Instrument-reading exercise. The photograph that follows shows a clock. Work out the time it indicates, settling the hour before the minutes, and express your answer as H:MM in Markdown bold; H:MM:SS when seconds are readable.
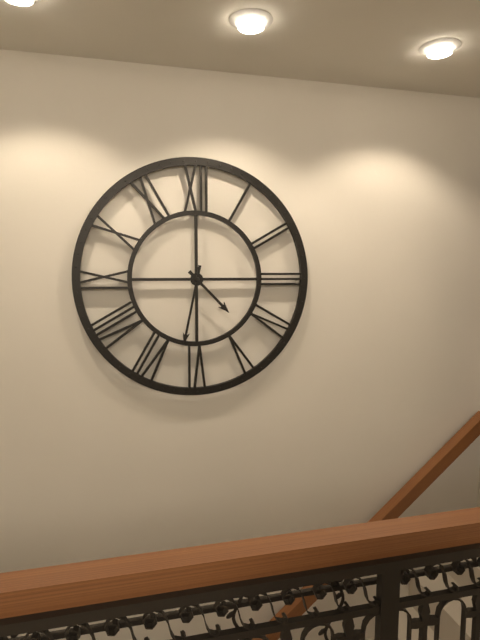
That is **4:32**
